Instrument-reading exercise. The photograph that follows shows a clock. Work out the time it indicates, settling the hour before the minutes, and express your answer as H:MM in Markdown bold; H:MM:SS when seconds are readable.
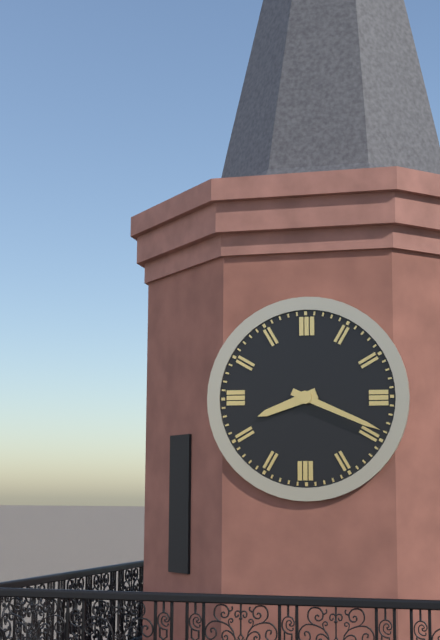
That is **8:19**
